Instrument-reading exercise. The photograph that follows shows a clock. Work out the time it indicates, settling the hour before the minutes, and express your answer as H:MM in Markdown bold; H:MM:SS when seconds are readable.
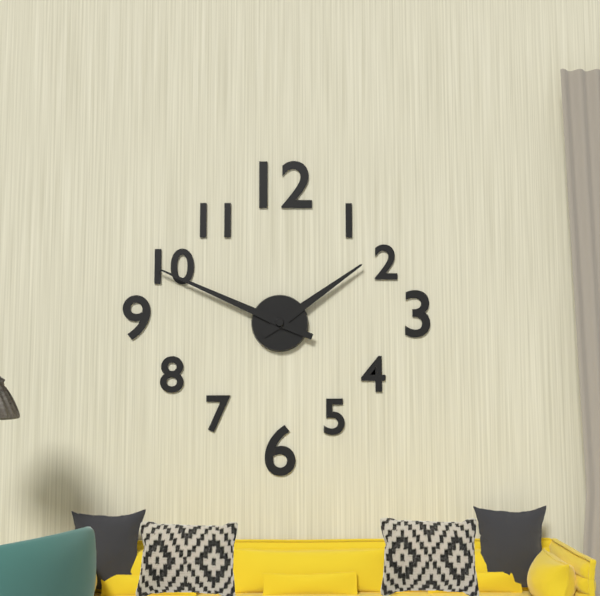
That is **1:49**
